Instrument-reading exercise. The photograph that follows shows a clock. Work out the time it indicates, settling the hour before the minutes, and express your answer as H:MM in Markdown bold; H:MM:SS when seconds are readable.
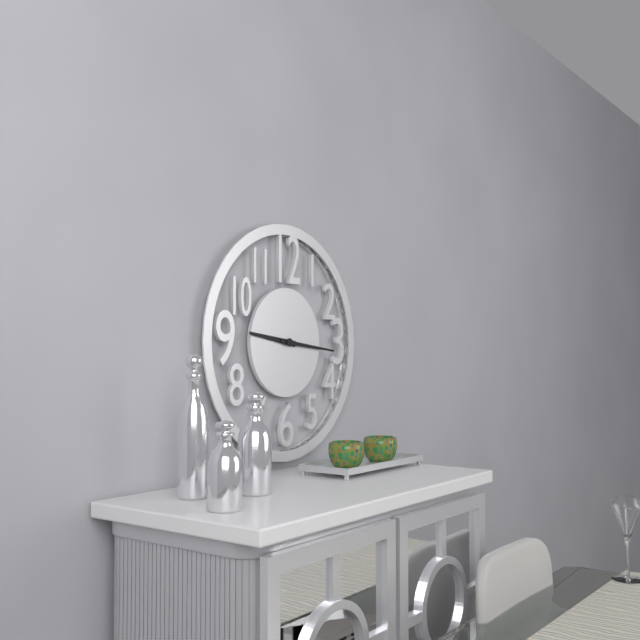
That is **9:16**
